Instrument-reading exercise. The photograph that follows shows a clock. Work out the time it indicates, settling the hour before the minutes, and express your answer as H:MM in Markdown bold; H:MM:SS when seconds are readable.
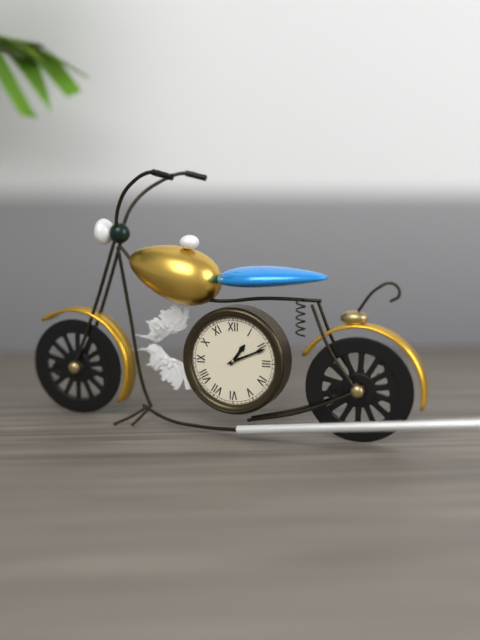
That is **1:11**
